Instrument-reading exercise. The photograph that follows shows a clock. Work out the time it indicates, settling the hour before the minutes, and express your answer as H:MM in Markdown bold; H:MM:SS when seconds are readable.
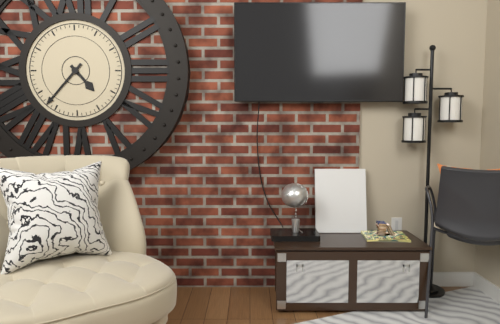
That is **4:37**
